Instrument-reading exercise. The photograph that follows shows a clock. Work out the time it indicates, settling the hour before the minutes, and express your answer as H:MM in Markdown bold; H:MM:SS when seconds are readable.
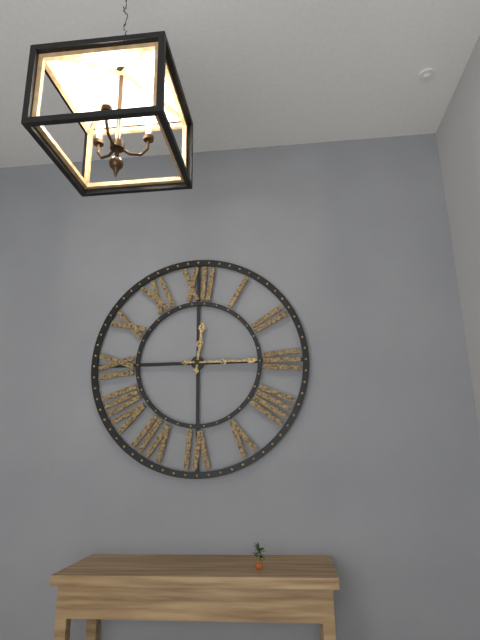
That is **12:15**
